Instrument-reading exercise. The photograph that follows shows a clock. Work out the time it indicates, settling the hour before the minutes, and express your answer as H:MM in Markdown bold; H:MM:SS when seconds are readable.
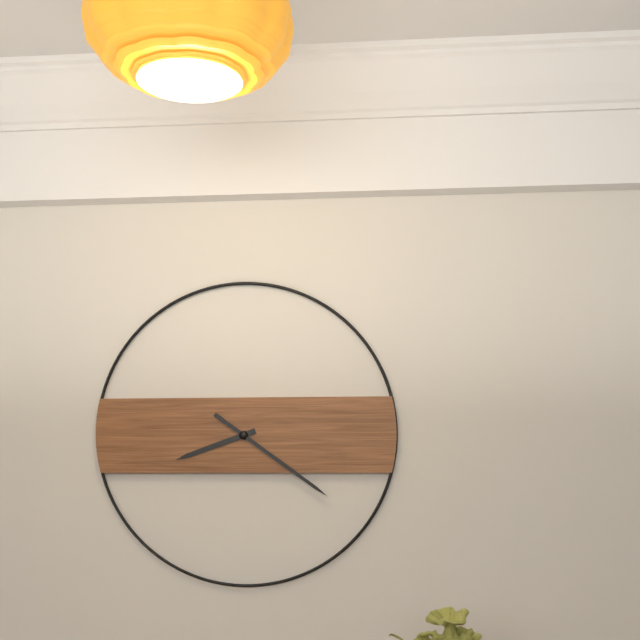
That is **8:21**
